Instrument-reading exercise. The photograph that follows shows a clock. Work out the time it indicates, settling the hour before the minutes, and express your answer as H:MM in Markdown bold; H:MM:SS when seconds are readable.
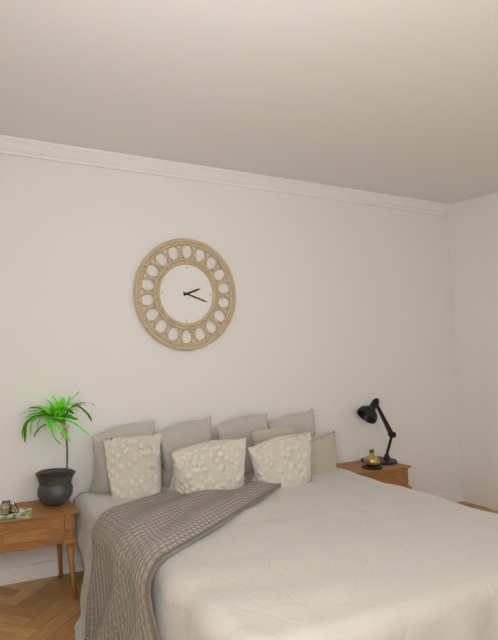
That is **2:18**
